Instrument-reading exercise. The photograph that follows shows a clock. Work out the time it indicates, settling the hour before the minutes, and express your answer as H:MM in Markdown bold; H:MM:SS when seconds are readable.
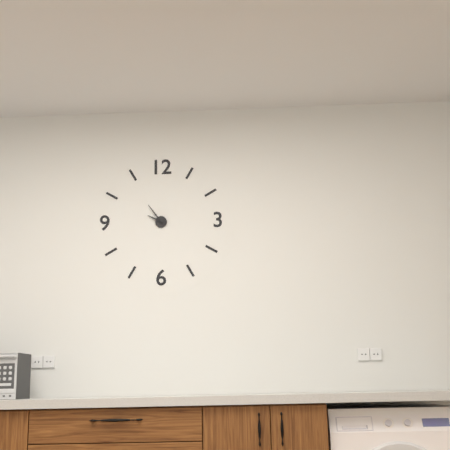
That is **9:54**
